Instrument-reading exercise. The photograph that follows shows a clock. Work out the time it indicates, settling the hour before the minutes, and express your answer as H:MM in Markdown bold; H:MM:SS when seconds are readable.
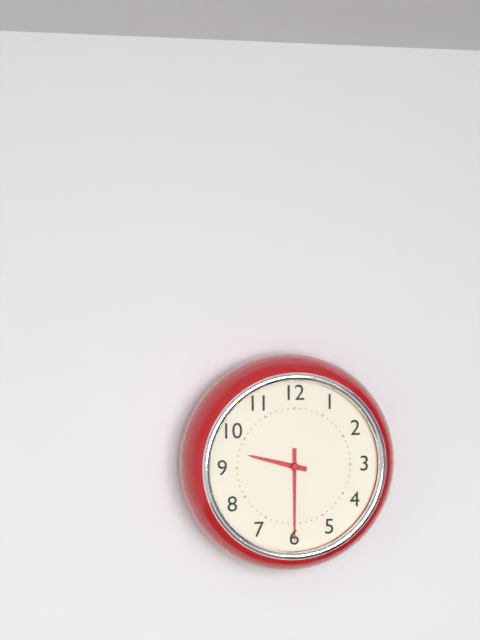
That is **9:30**
